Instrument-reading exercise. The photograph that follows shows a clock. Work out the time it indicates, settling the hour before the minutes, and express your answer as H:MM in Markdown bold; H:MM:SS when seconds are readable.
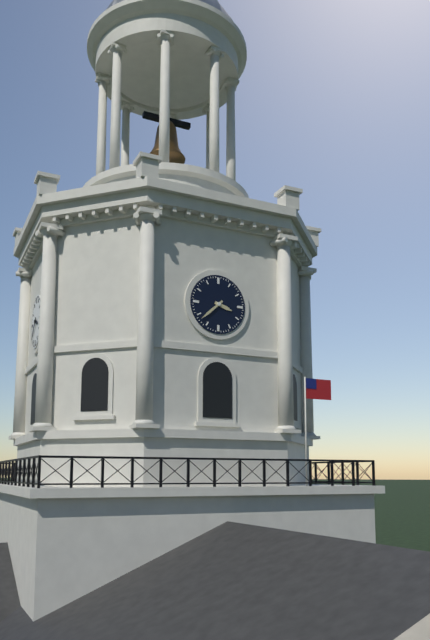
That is **3:38**
